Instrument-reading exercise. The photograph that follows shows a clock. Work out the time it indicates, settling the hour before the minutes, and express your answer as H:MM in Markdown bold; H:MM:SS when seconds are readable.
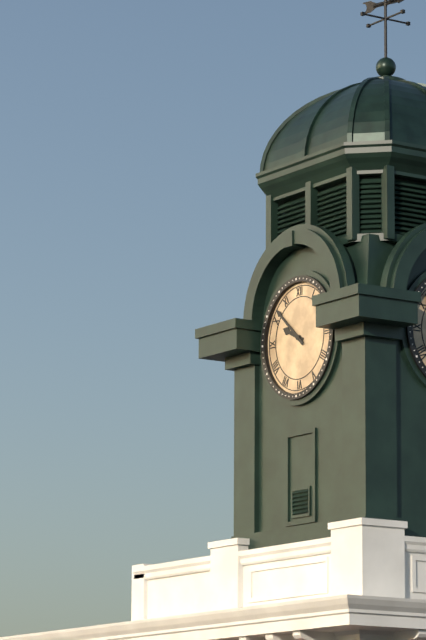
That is **9:52**
